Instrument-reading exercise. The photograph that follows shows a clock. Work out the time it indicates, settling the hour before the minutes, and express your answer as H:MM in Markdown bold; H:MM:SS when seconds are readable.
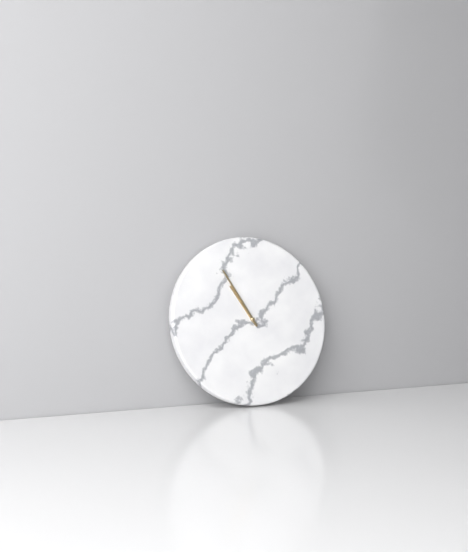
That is **10:55**
